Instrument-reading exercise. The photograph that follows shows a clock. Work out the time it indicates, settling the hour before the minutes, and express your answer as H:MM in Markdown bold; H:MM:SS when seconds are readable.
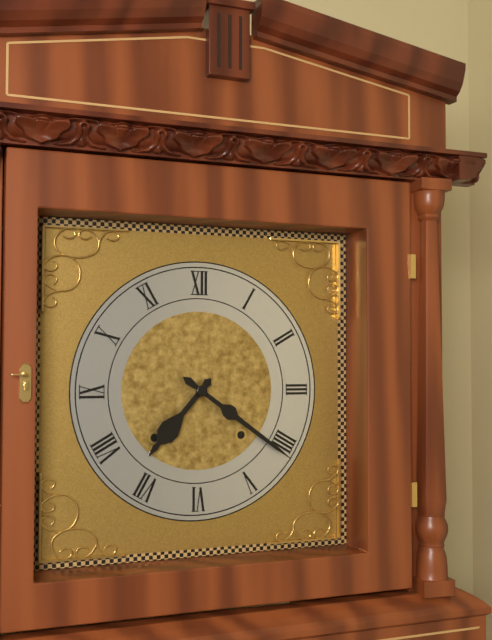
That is **7:21**
